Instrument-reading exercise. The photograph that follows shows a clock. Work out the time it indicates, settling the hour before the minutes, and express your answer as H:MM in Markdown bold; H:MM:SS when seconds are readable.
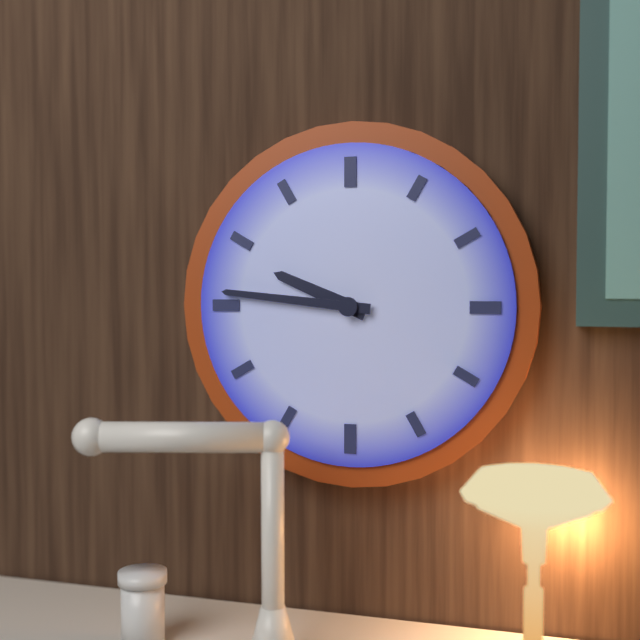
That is **9:46**
